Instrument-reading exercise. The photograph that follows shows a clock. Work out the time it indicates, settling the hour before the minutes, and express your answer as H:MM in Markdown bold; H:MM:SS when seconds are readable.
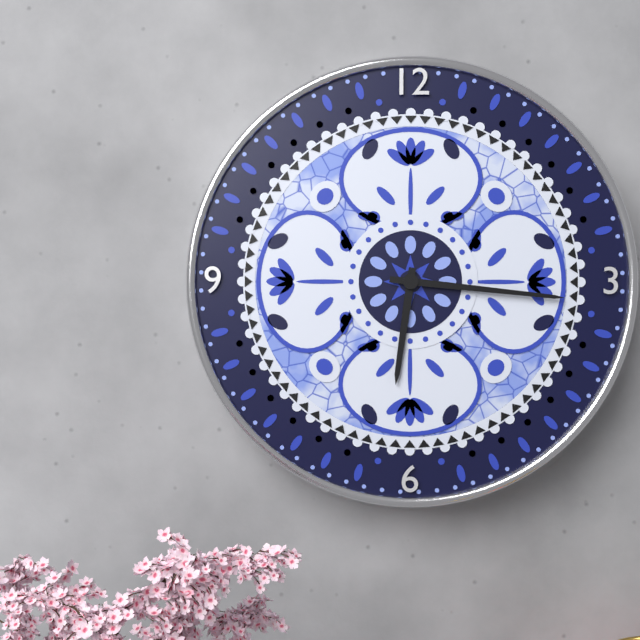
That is **6:16**
